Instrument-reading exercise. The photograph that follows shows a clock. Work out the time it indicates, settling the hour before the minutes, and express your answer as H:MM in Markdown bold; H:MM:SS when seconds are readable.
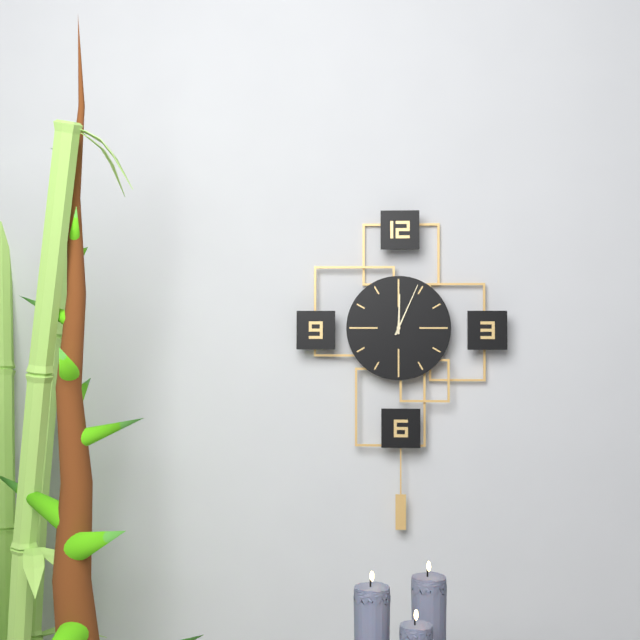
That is **12:04**
